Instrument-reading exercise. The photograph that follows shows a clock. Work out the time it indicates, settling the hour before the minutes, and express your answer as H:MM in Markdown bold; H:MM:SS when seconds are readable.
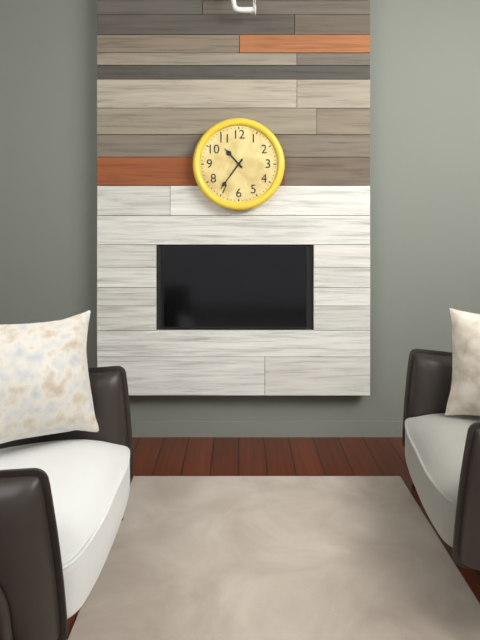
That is **10:36**
